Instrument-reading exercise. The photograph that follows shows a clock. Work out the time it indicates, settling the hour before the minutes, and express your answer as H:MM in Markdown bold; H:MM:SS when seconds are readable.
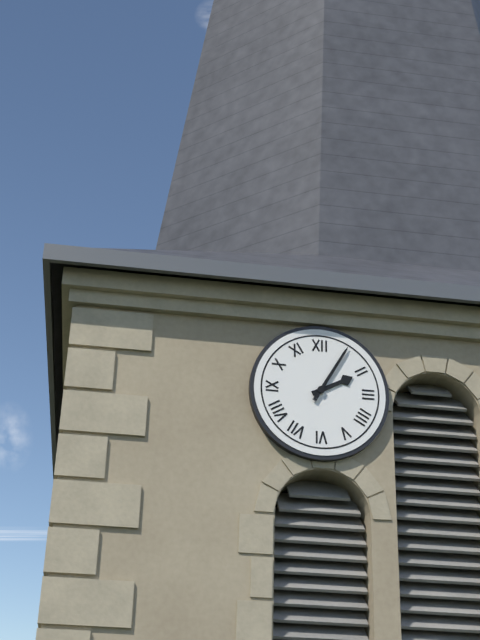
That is **2:05**
